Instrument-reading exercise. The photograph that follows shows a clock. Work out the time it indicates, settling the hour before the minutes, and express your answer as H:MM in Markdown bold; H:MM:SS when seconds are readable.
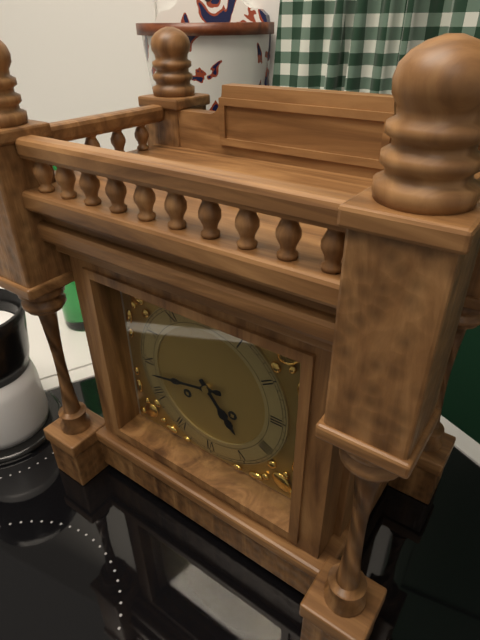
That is **4:43**
